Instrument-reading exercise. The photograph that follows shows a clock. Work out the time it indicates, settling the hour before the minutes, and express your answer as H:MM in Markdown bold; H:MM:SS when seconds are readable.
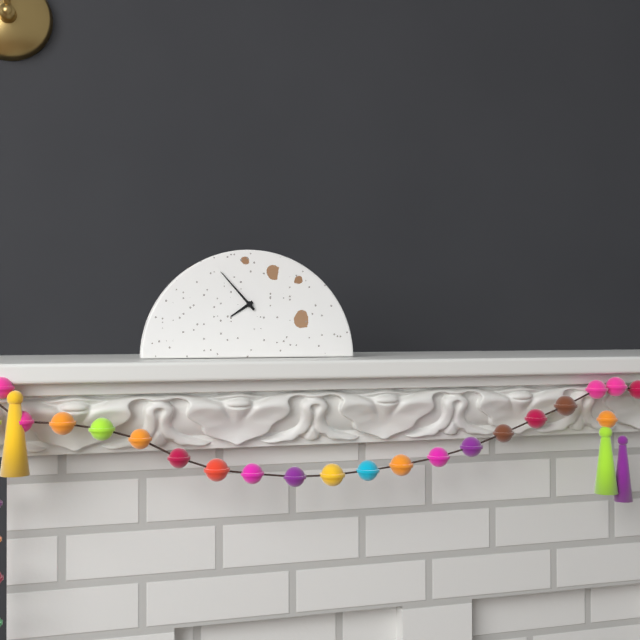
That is **7:53**
